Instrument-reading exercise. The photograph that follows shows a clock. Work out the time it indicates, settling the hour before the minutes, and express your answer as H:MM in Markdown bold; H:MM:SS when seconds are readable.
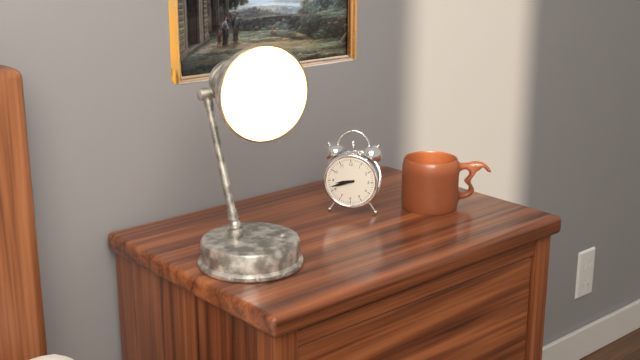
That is **8:42**
